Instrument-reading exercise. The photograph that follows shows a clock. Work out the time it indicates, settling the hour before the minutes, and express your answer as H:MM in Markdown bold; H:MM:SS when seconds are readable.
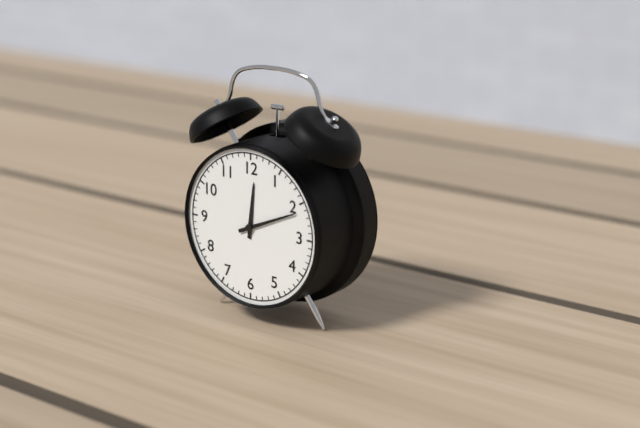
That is **12:11**
